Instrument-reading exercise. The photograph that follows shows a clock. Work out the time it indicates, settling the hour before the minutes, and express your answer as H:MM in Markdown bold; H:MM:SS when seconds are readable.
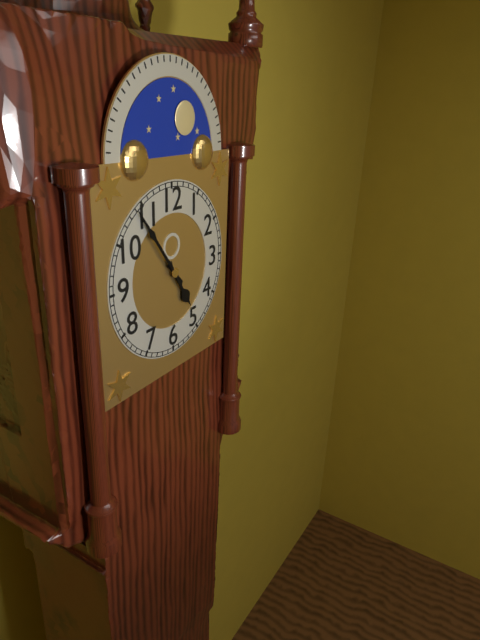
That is **4:54**
